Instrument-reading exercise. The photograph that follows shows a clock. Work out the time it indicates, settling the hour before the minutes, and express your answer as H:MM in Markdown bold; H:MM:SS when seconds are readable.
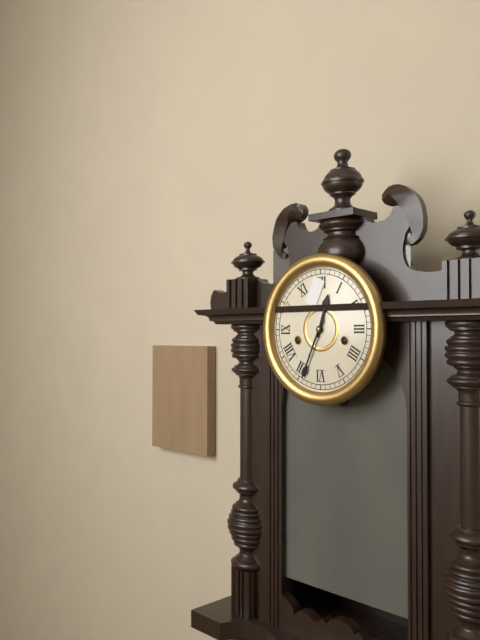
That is **12:34**
